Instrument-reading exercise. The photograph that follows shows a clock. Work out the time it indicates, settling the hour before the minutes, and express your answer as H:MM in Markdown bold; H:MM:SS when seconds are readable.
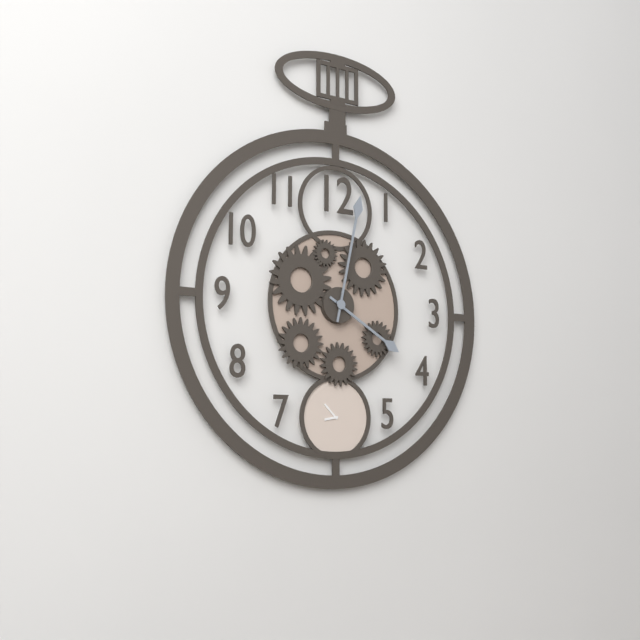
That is **4:02**
